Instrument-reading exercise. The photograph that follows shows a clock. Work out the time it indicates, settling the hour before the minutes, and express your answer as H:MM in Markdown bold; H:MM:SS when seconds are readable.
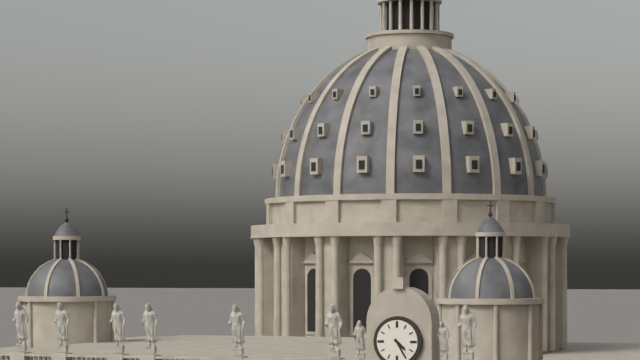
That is **4:25**
